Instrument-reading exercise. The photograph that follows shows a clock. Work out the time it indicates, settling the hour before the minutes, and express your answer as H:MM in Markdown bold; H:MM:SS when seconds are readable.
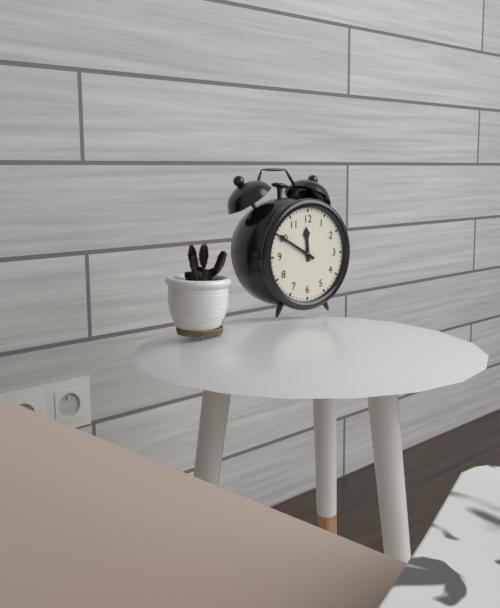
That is **11:50**
